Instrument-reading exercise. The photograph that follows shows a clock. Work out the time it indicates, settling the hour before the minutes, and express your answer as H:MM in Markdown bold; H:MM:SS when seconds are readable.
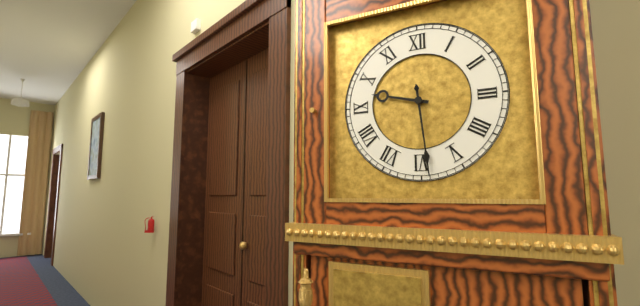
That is **9:29**
